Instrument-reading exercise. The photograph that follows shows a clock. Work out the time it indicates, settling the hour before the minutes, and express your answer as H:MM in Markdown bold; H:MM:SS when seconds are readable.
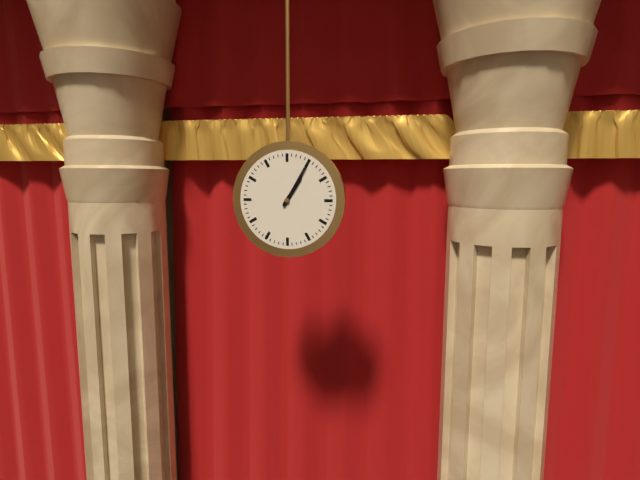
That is **1:05**
